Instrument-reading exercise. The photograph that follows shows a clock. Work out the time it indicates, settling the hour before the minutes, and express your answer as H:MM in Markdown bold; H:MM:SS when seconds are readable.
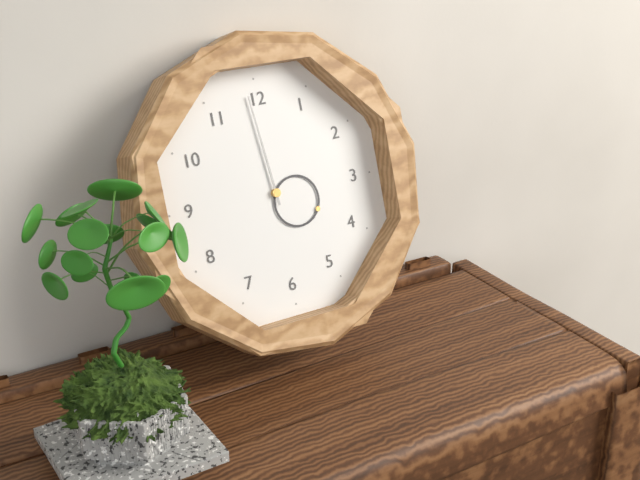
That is **3:59**
